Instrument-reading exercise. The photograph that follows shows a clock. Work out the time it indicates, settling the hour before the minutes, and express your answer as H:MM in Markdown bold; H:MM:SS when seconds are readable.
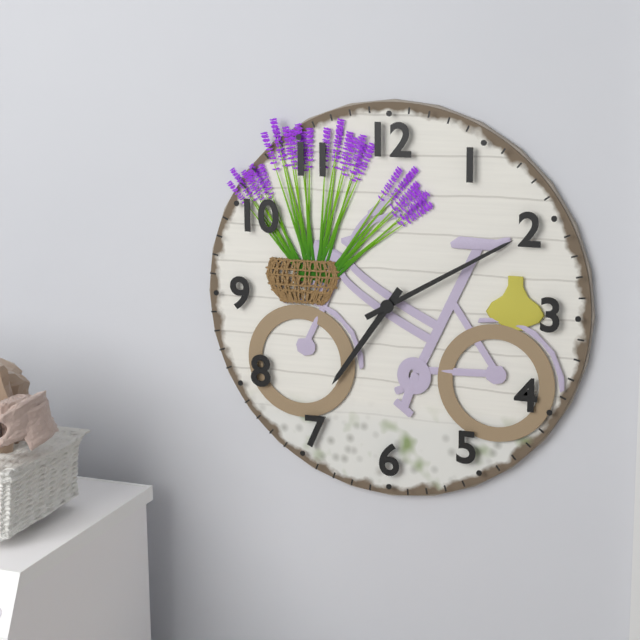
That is **7:10**
